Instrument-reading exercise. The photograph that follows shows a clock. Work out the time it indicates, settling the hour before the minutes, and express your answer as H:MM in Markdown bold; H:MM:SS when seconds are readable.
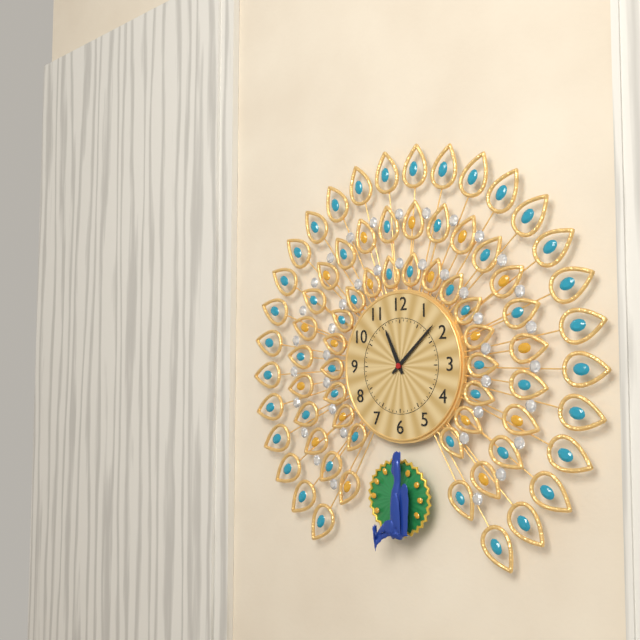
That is **11:08**
